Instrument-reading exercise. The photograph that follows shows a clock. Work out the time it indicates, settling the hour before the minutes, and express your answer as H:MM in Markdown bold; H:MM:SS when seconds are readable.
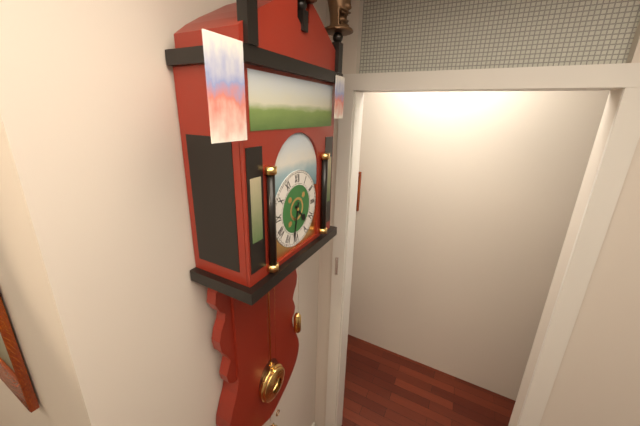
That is **4:32**
